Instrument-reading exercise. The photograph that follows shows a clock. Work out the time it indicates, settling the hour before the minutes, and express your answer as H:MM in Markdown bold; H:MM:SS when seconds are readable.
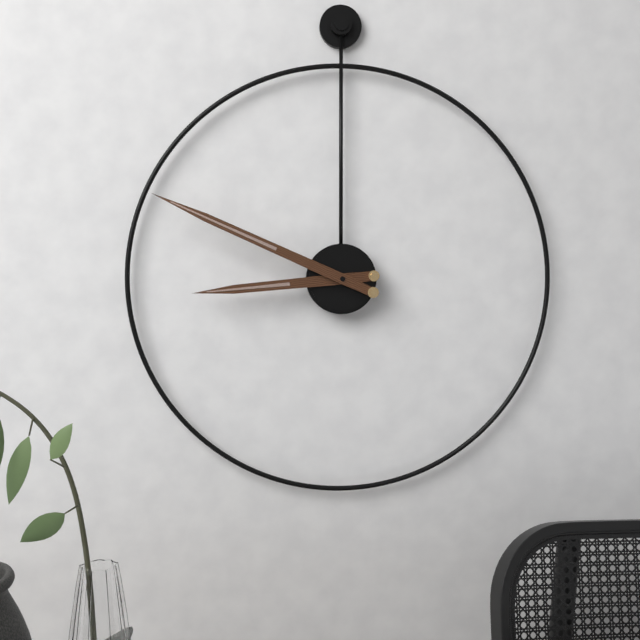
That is **8:49**
